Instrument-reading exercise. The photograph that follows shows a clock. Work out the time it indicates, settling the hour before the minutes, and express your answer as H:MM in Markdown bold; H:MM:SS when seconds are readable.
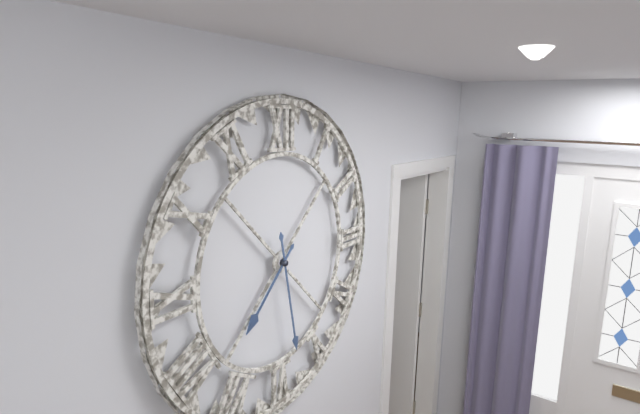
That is **7:28**
